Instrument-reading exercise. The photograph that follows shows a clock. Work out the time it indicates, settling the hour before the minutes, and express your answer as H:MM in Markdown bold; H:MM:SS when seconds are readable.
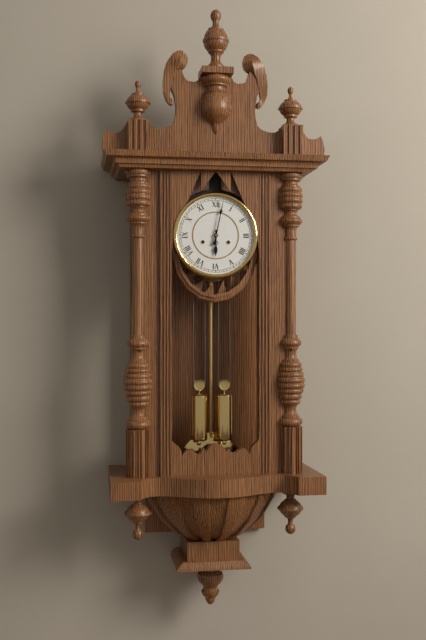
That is **6:02**
